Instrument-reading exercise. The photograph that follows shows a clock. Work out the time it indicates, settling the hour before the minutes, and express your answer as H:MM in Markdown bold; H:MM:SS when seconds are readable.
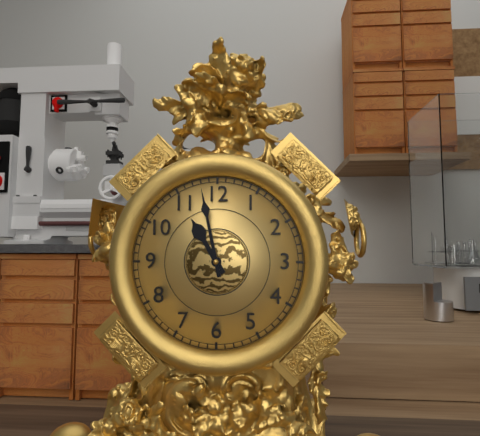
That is **10:58**
